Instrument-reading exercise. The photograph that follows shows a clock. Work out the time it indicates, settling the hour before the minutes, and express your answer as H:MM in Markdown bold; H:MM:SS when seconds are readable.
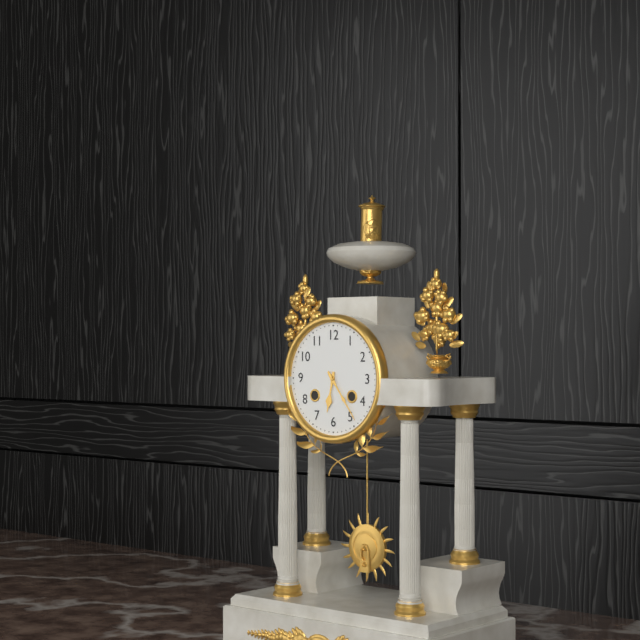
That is **6:24**
